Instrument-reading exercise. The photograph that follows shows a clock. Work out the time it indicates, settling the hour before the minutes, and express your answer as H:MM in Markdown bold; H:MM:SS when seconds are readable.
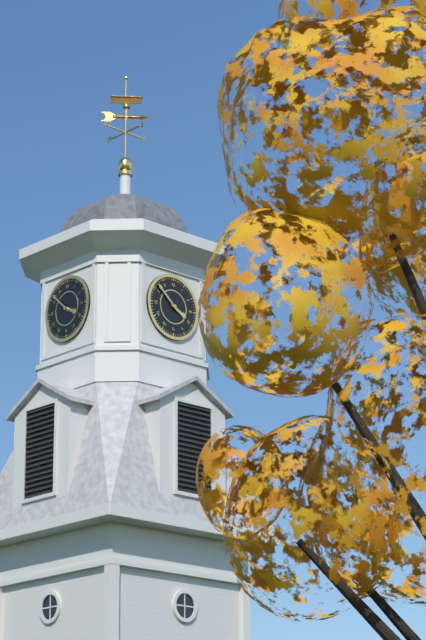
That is **3:52**
